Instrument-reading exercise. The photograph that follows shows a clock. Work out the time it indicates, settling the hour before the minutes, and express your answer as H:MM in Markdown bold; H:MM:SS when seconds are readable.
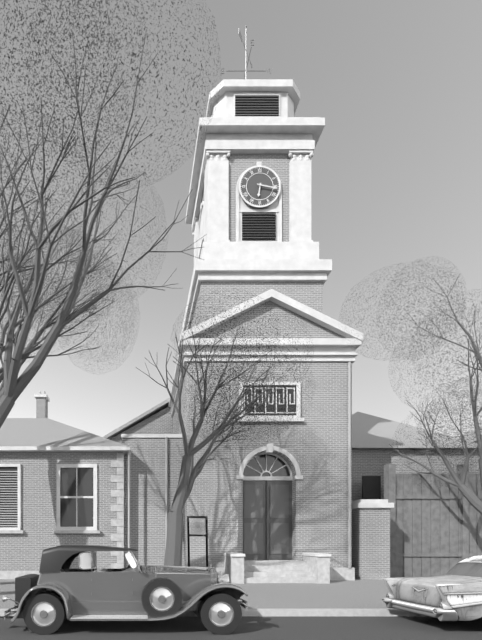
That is **6:17**
